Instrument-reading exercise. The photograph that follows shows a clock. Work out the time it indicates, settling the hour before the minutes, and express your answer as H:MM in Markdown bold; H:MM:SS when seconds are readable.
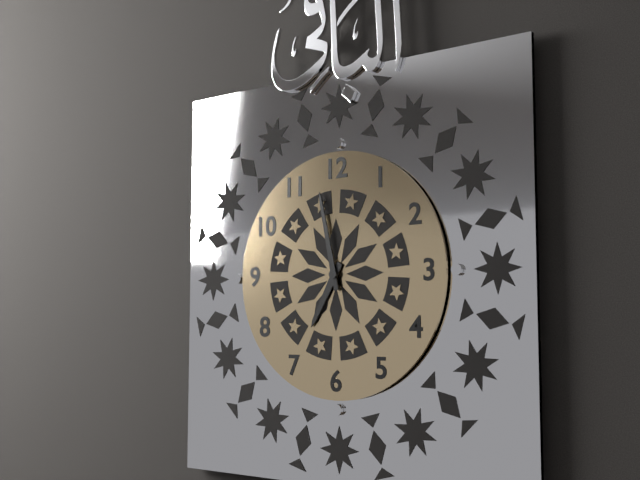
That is **6:58**
